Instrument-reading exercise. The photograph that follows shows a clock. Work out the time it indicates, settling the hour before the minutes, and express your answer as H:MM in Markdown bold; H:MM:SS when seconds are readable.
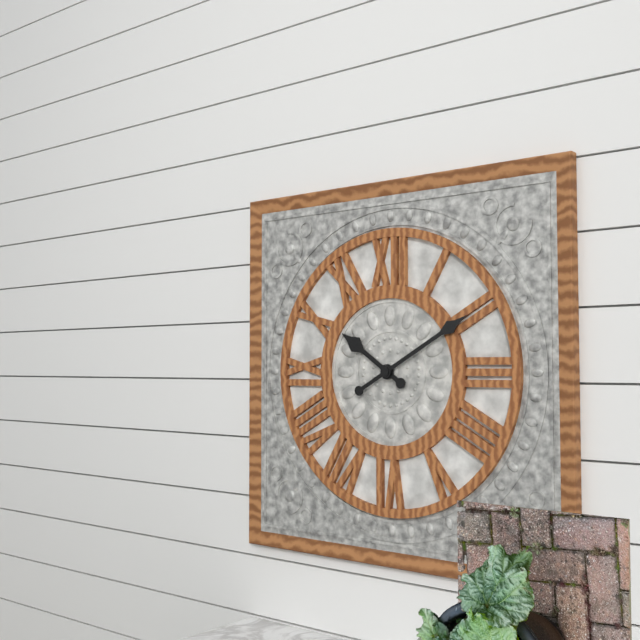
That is **10:10**
